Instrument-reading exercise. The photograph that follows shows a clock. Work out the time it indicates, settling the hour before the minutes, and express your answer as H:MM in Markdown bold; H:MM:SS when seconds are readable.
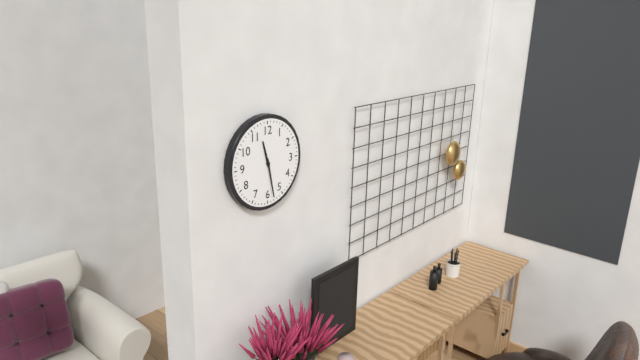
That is **11:28**
